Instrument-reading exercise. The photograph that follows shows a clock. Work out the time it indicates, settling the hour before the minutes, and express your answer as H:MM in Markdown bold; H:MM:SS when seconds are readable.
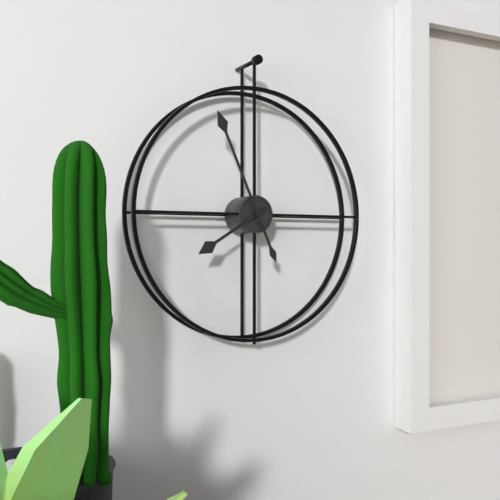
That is **7:56**
